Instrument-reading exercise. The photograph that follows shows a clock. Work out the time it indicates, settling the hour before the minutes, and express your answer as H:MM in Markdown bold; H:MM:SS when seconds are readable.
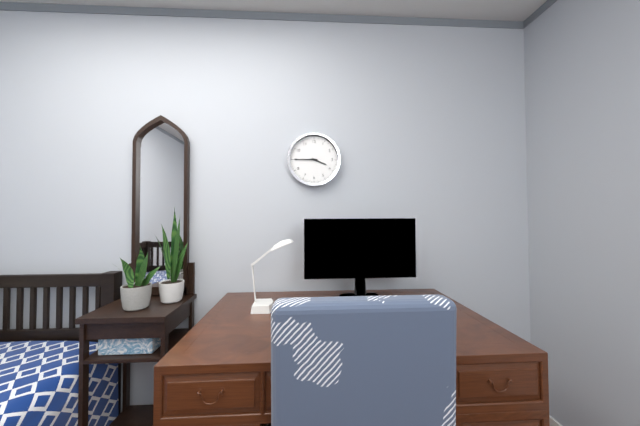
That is **3:45**
